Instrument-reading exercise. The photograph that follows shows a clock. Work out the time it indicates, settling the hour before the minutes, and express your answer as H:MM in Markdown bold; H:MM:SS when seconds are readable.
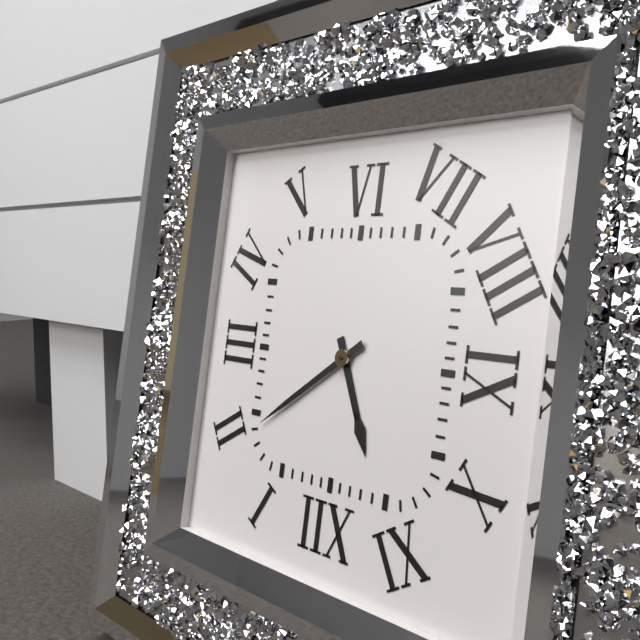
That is **11:09**
